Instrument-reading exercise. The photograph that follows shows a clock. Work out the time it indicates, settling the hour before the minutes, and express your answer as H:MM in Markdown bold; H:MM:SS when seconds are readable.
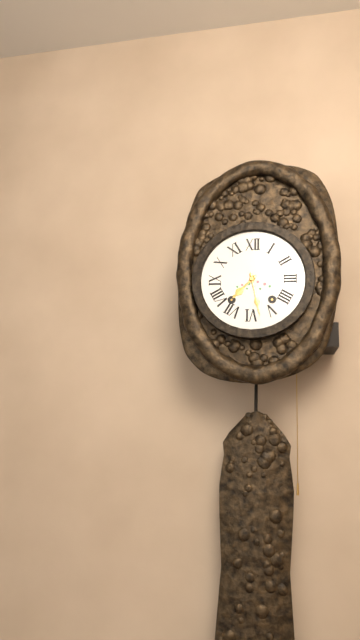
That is **7:28**
